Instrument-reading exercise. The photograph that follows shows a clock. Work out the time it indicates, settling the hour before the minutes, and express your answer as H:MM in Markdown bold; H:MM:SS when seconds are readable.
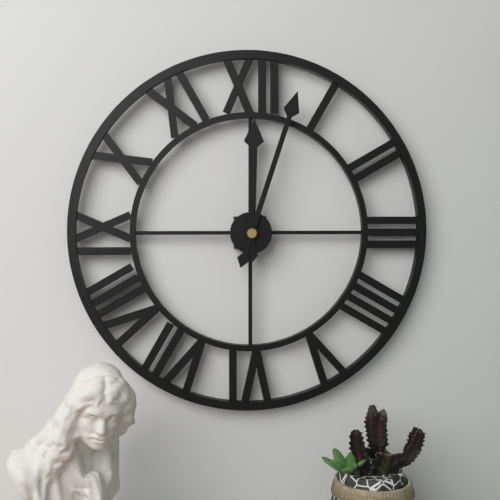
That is **12:03**
